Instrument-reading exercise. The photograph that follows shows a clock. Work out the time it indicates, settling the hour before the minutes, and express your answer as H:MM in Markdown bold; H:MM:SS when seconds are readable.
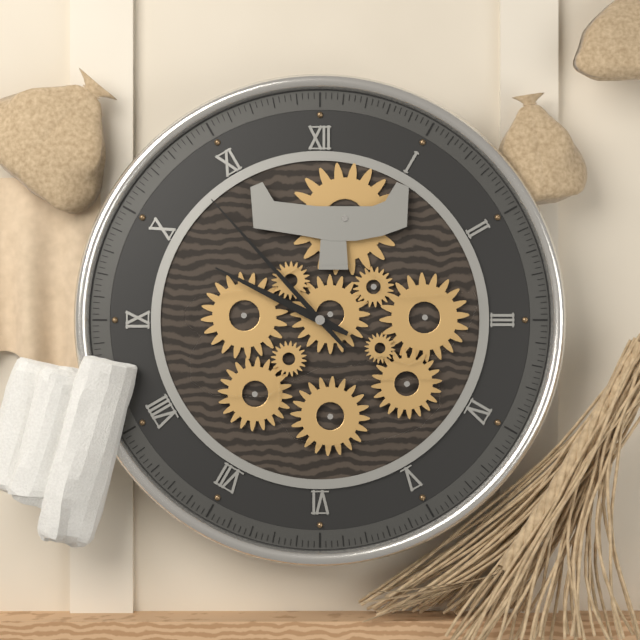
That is **9:53**
